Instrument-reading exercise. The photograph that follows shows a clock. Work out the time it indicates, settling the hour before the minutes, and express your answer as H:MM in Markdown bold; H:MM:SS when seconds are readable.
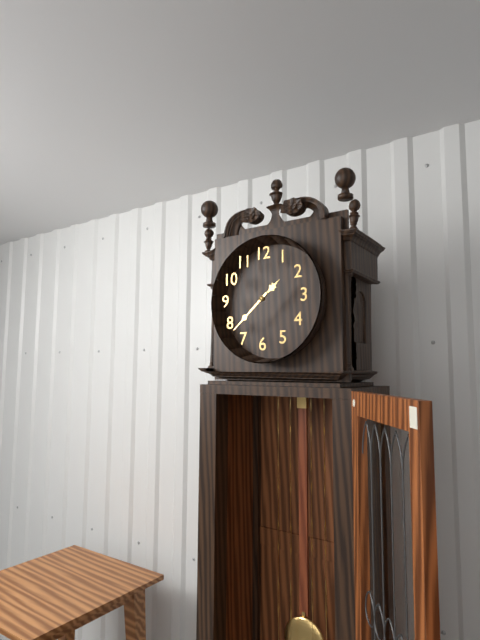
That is **1:38**
